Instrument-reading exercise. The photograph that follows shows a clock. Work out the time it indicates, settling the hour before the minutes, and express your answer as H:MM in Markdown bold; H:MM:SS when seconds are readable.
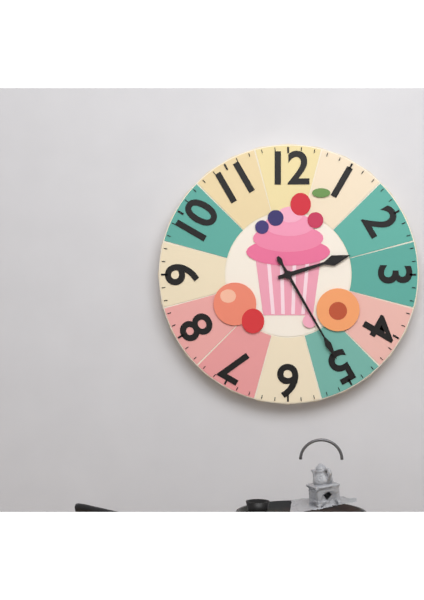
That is **2:25**
